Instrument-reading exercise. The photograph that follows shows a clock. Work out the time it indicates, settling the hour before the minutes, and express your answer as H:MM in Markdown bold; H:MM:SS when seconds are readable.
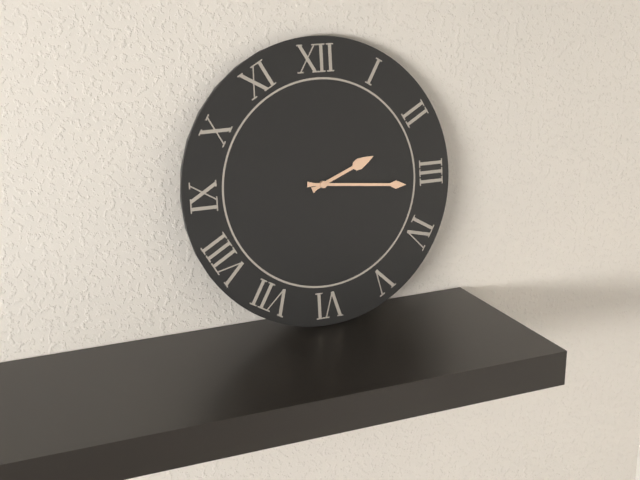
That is **2:16**
